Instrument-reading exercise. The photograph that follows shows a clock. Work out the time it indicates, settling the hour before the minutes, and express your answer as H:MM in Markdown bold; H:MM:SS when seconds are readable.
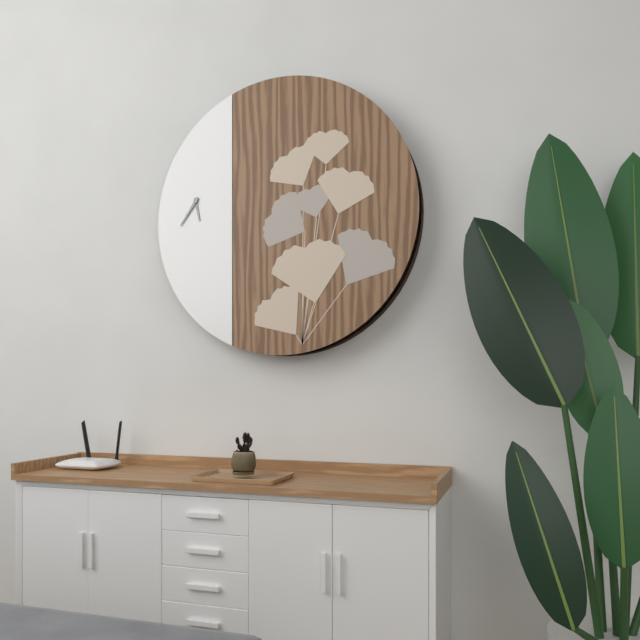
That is **5:36**
